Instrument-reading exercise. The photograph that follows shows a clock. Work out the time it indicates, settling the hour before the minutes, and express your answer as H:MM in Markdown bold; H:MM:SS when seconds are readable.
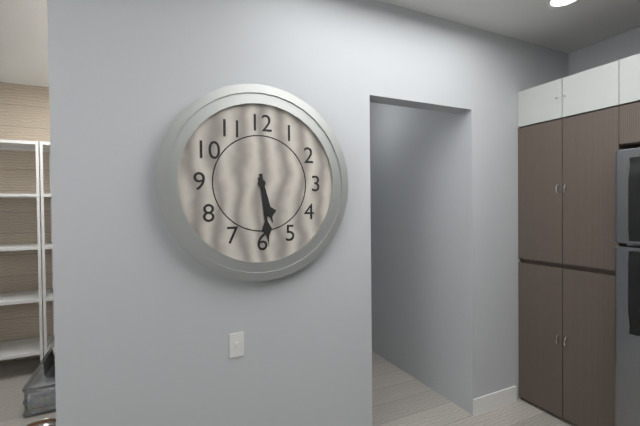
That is **5:29**
